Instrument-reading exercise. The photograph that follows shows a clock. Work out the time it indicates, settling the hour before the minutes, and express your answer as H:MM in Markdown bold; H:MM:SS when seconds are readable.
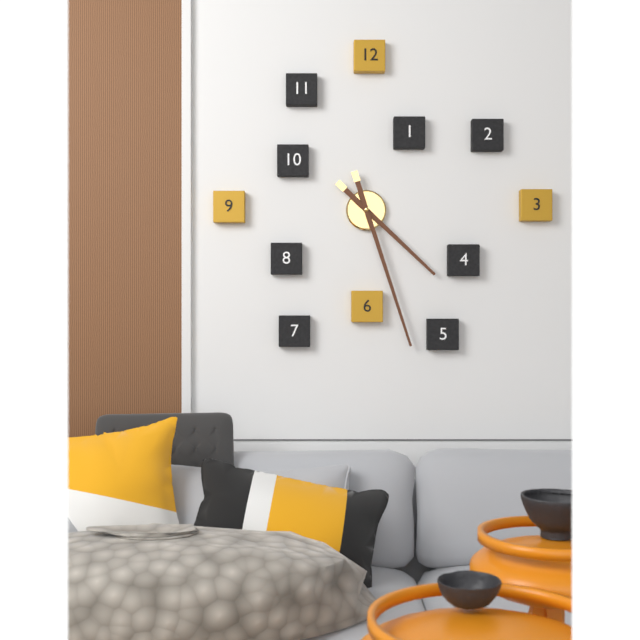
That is **4:27**
